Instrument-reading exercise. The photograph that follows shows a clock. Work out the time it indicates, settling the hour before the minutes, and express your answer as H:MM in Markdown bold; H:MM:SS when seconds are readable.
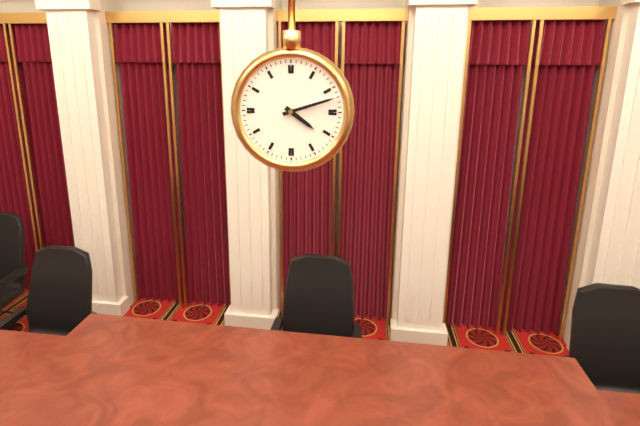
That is **4:12**
